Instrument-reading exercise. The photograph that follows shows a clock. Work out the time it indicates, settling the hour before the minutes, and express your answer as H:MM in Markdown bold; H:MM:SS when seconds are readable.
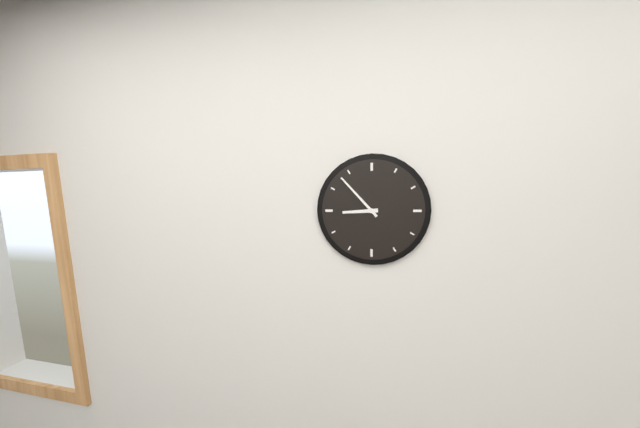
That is **8:53**
